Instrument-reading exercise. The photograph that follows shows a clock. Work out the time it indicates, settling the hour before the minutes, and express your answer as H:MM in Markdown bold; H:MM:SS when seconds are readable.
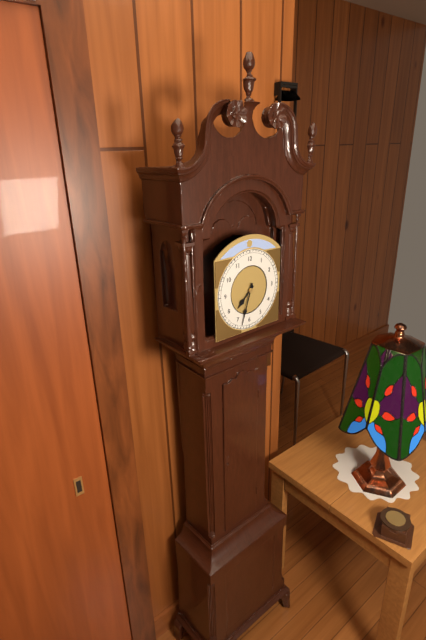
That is **7:33**
